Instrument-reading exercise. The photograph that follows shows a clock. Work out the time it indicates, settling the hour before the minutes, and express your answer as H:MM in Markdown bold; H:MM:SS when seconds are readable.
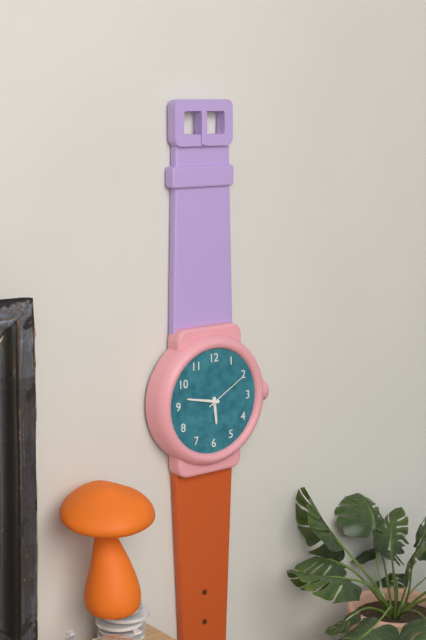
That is **5:47**
